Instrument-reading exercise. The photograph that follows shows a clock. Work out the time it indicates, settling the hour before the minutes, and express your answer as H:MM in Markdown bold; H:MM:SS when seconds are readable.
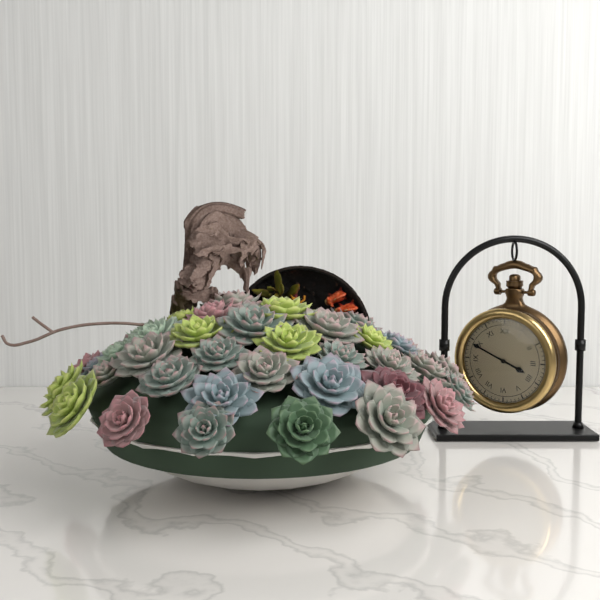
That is **3:49**
